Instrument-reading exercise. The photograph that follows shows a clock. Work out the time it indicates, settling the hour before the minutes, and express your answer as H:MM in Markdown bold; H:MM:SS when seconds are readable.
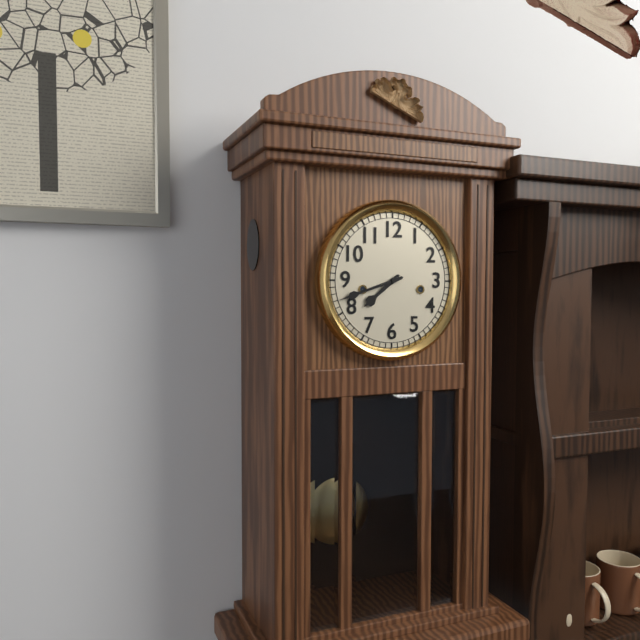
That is **7:42**
